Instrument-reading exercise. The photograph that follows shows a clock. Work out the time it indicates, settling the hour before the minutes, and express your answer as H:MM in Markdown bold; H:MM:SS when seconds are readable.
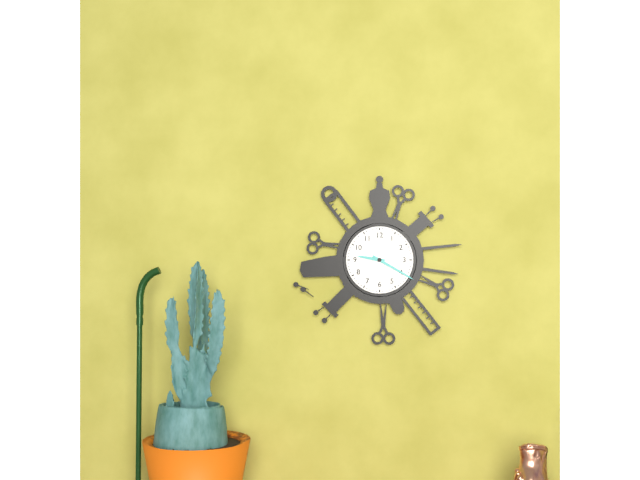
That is **9:20**
